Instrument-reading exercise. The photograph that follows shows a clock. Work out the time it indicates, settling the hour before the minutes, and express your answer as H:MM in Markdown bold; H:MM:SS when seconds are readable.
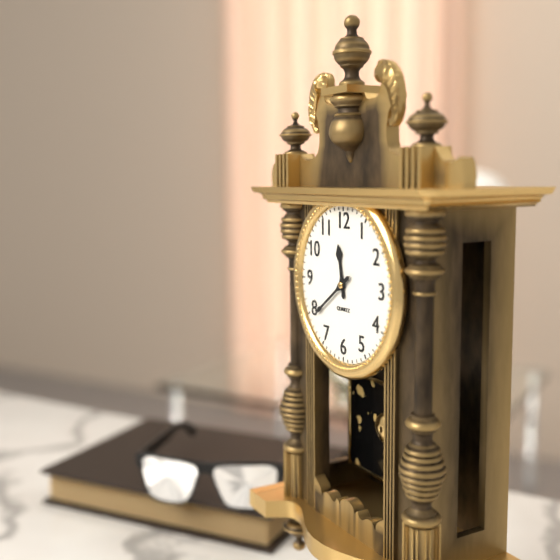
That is **11:39**
